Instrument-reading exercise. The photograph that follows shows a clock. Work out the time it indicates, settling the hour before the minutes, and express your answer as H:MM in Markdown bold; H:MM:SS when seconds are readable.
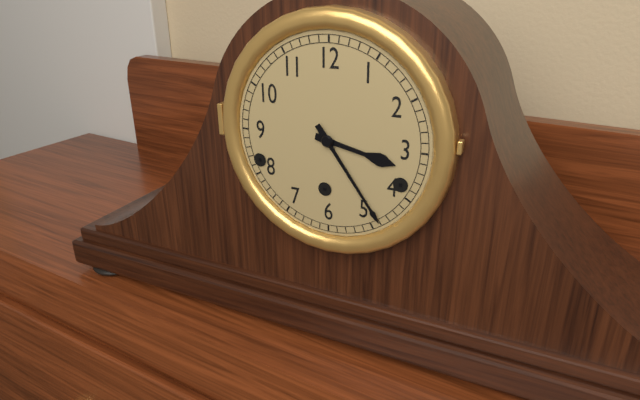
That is **3:24**
